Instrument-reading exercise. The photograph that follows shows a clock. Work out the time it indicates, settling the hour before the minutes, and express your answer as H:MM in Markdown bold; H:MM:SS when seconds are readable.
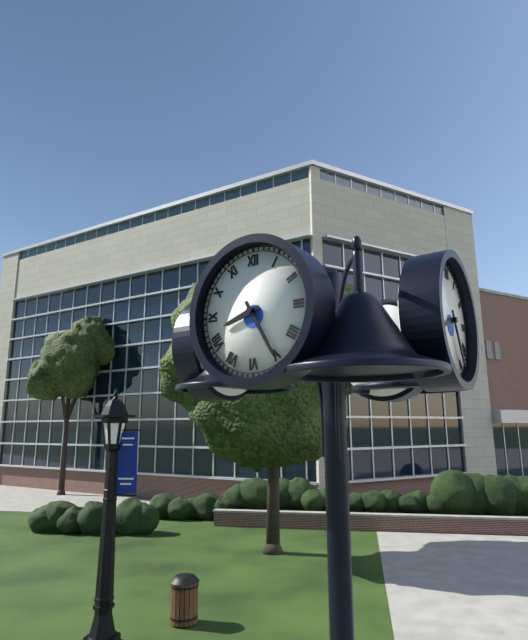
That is **8:25**
